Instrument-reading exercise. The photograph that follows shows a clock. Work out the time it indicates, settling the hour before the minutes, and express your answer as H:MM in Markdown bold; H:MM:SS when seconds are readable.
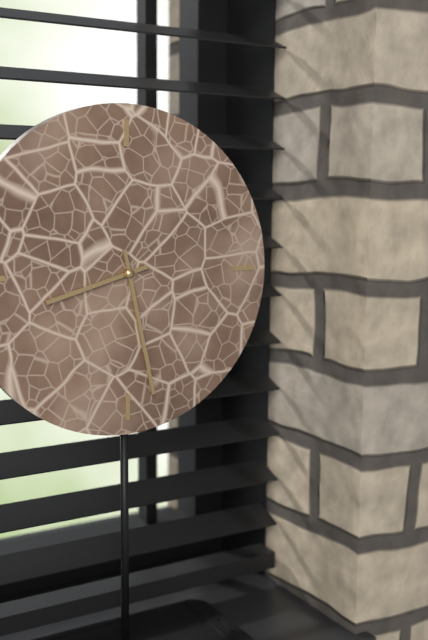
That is **8:28**
